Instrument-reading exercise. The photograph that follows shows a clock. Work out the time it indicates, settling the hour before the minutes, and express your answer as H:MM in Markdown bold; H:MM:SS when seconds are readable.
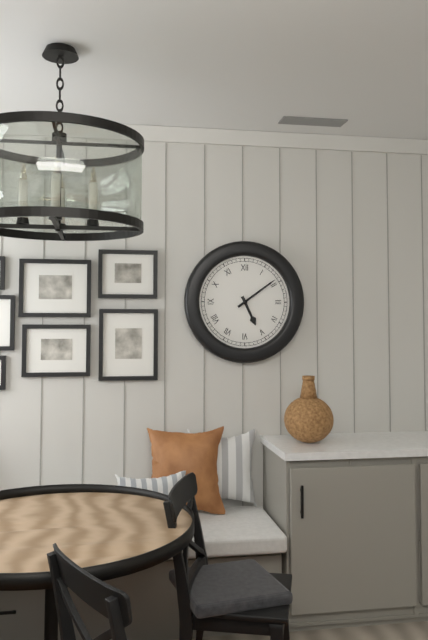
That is **5:09**
